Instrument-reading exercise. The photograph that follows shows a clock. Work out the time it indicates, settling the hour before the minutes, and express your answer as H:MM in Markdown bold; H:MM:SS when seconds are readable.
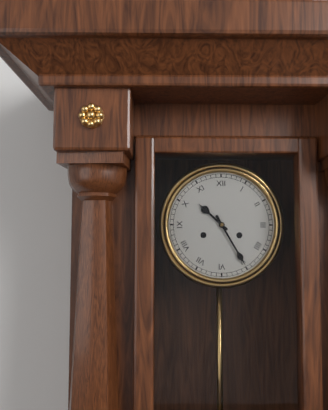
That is **10:25**
